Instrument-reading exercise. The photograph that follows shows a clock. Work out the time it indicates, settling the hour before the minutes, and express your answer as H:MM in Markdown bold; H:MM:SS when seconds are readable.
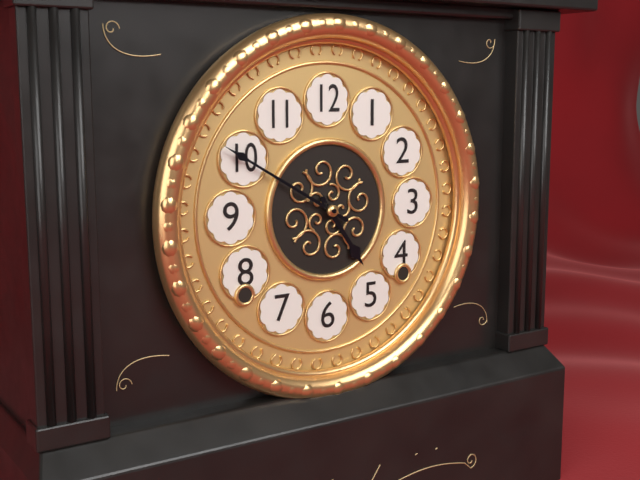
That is **4:50**
